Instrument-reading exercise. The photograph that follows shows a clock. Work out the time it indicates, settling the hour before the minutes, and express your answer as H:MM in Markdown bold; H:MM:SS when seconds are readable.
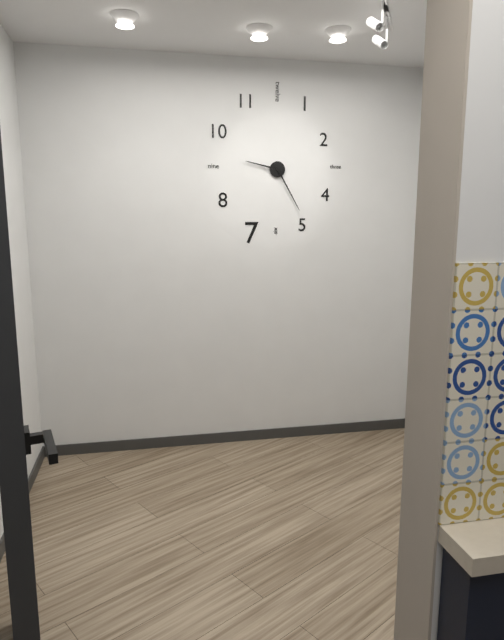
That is **9:25**
